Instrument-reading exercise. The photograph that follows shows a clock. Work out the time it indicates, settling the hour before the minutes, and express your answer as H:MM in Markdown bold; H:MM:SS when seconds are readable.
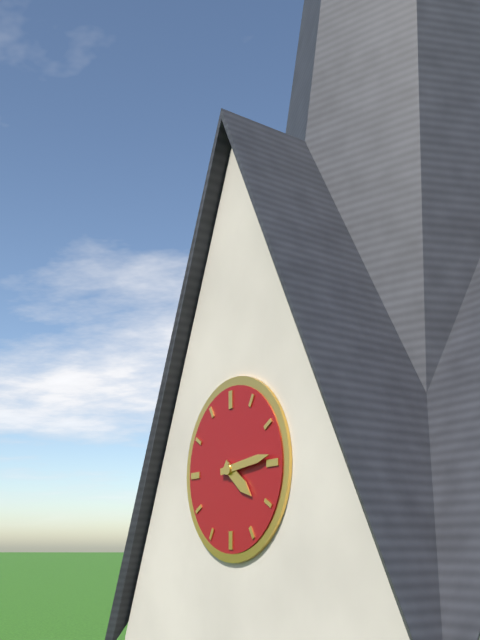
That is **4:14**
